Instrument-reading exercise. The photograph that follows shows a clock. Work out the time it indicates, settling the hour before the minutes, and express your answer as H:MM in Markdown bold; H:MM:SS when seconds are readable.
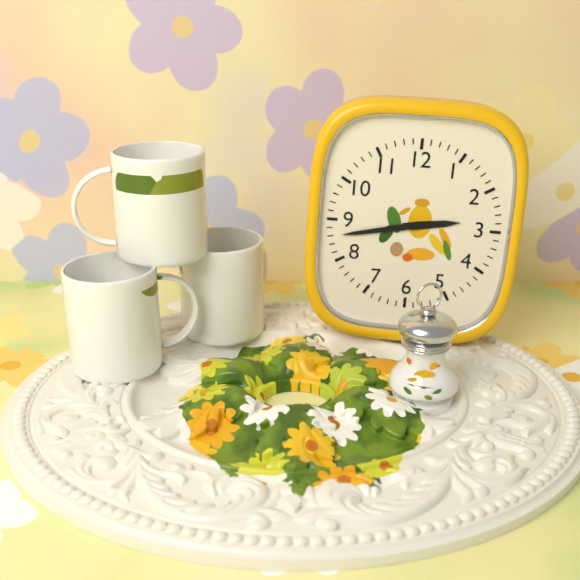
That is **2:43**
